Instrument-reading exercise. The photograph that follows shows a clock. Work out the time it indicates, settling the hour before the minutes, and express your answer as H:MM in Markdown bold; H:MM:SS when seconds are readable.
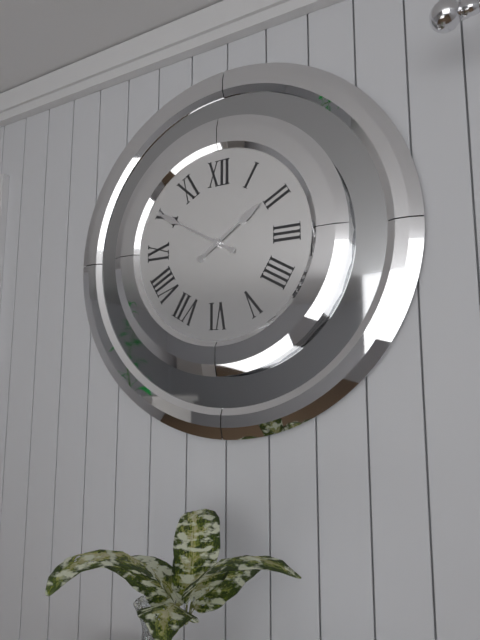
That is **1:50**
